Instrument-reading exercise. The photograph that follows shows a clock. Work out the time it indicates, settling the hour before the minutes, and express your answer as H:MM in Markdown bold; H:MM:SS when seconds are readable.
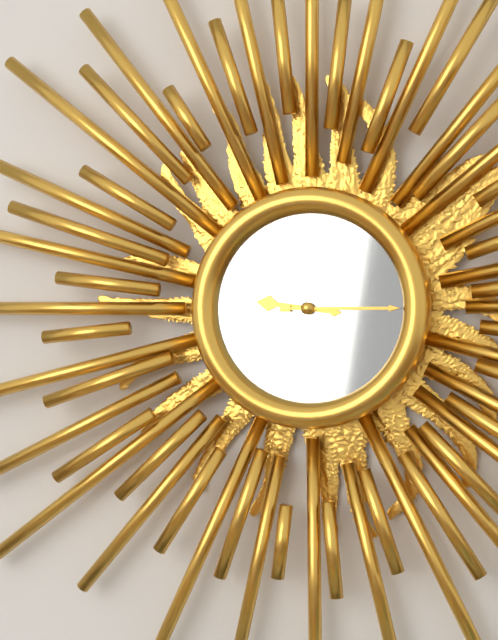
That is **9:15**
